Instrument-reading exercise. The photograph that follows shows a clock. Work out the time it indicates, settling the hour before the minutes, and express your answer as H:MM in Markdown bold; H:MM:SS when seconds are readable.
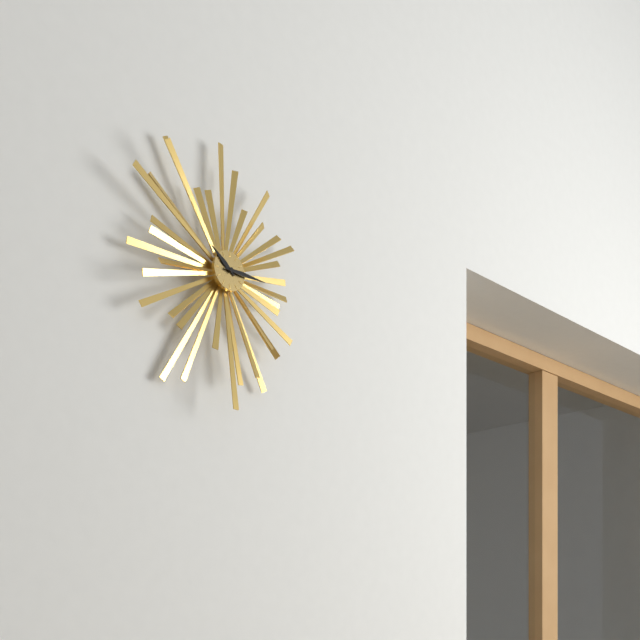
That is **10:15**
